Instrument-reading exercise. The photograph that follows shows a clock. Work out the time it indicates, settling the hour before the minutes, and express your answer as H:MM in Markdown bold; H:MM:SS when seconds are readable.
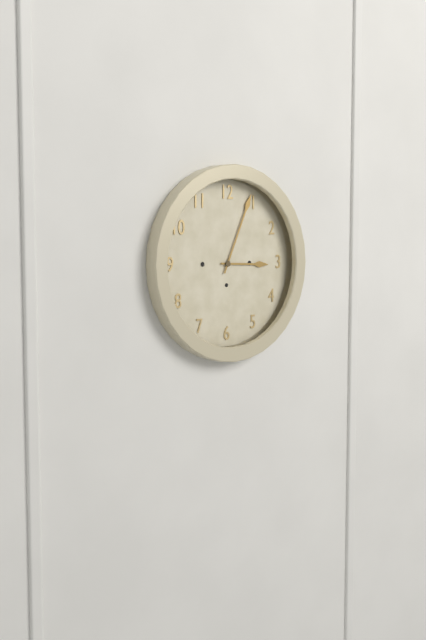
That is **3:04**
